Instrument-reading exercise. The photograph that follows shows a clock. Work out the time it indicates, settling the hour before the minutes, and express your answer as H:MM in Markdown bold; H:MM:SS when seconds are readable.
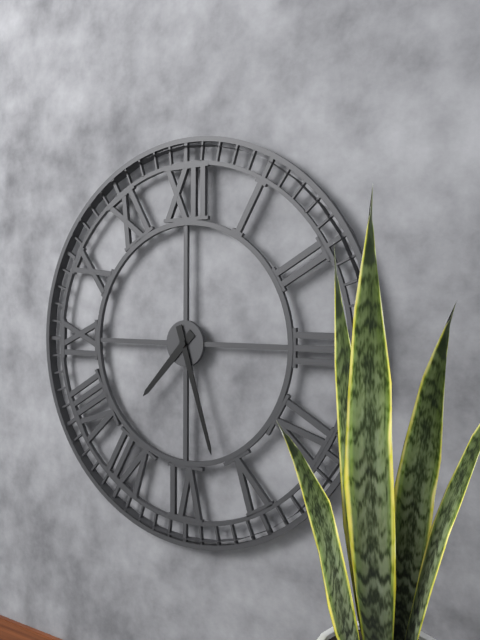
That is **7:27**
